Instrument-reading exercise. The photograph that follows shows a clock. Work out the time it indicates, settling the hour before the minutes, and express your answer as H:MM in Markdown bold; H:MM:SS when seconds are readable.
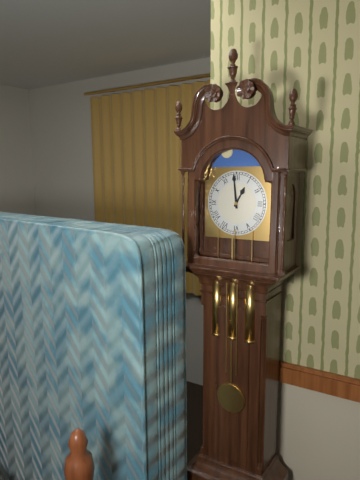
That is **12:59**
